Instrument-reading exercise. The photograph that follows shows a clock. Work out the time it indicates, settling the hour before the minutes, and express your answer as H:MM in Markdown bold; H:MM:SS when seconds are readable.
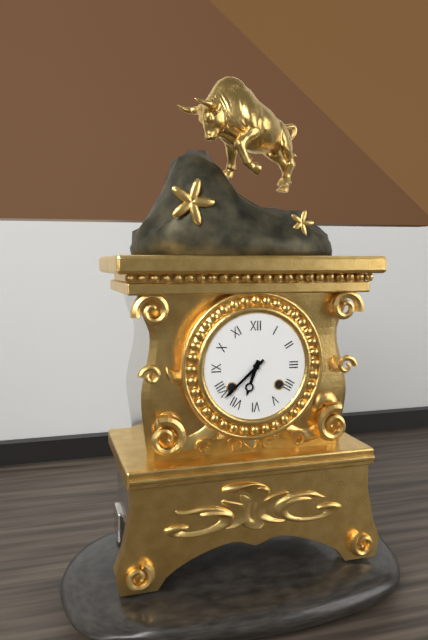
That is **6:38**
